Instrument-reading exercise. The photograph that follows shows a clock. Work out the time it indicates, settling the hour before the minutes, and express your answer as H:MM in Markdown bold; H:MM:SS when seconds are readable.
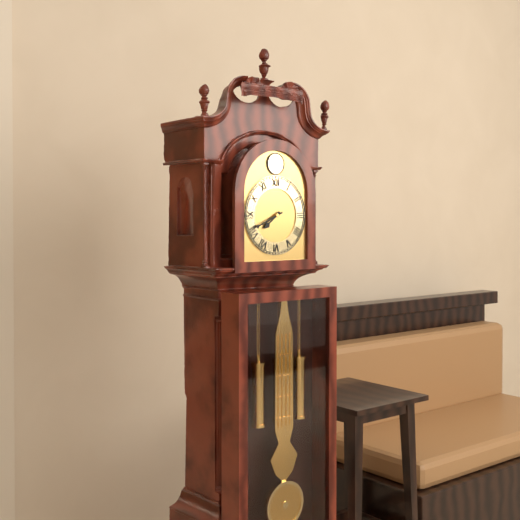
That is **7:41**
